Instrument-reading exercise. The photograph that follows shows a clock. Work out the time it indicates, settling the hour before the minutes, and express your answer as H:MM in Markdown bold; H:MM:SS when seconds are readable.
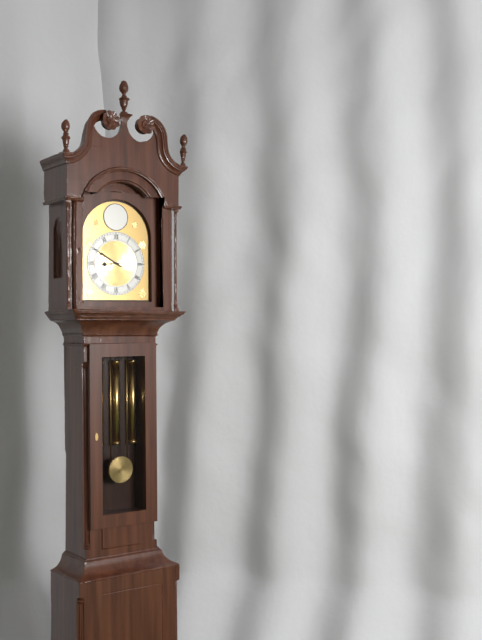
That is **8:50**
